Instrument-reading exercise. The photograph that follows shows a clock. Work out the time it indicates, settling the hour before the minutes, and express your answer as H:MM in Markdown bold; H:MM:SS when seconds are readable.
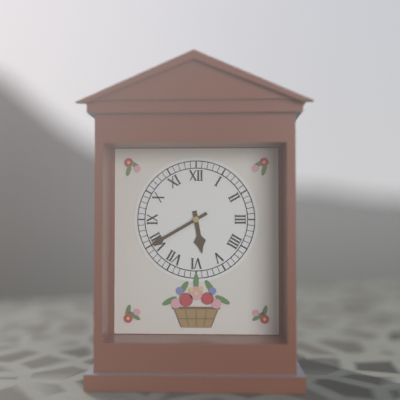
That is **5:40**
